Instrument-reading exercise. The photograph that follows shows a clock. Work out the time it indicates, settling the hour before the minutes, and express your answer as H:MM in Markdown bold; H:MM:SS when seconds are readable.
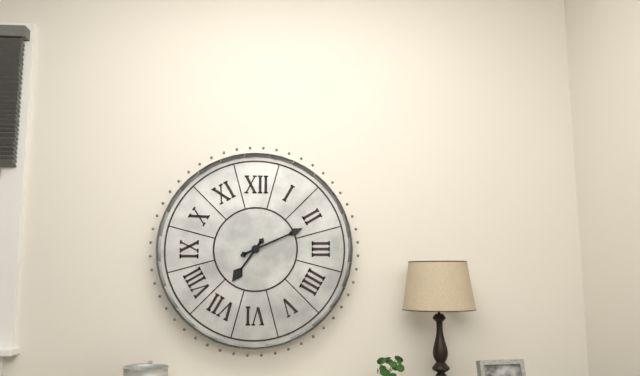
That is **7:11**
